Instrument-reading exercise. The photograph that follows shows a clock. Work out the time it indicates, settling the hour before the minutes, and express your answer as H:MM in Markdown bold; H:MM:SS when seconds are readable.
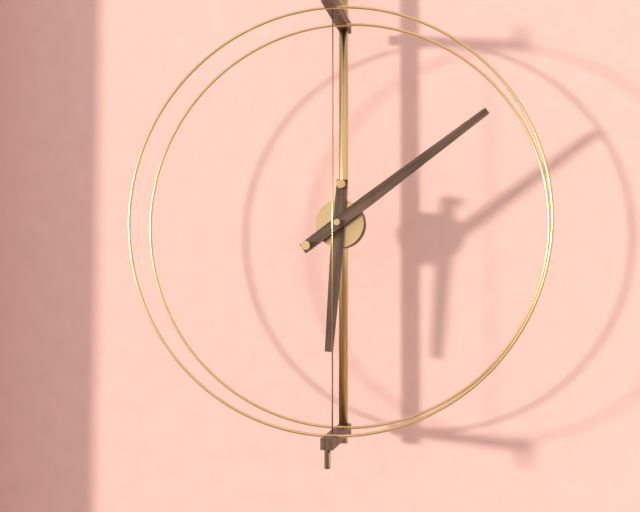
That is **6:09**
